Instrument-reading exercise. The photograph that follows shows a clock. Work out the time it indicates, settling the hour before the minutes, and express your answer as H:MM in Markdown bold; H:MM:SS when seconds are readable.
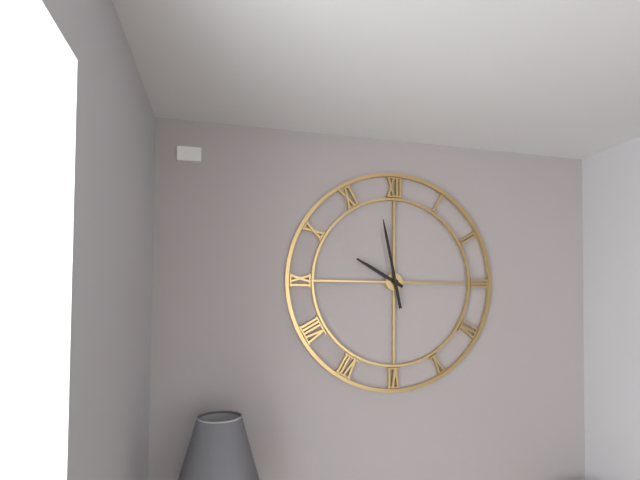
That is **9:58**
